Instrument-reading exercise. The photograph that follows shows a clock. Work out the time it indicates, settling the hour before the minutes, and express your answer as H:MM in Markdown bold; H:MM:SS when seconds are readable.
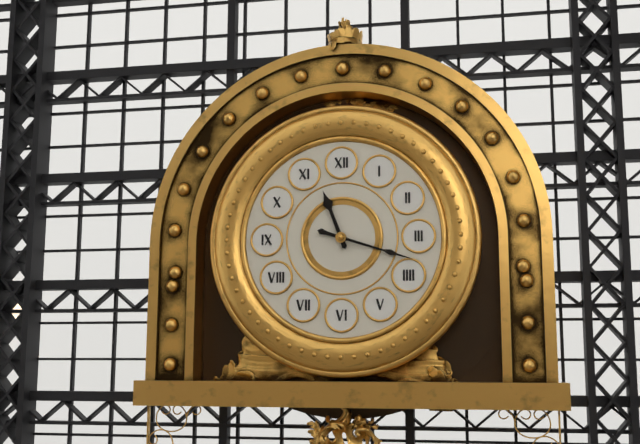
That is **11:18**
